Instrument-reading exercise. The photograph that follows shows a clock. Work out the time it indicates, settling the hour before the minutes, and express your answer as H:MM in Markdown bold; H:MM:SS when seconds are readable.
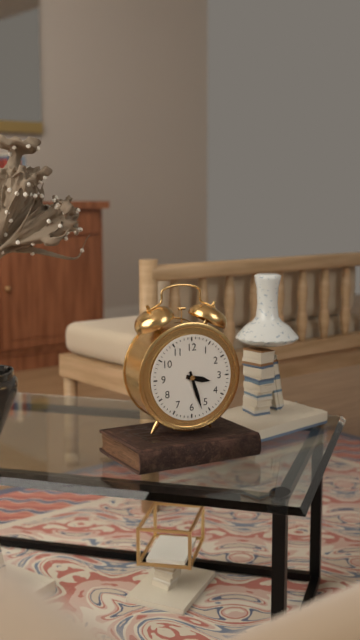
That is **3:27**
